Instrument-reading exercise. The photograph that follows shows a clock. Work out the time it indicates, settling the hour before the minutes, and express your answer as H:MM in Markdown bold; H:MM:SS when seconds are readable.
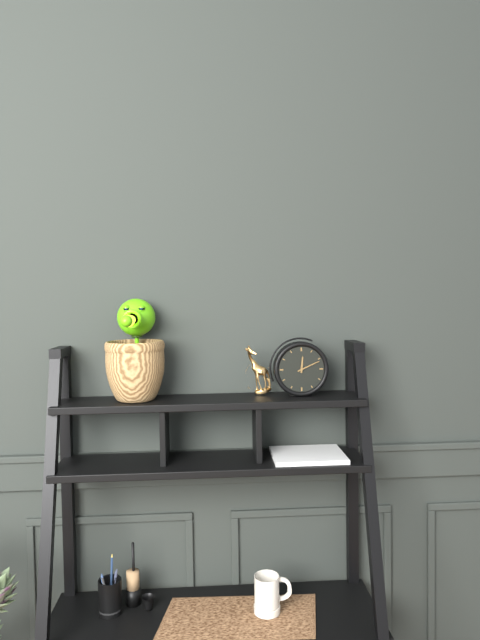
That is **12:11**
